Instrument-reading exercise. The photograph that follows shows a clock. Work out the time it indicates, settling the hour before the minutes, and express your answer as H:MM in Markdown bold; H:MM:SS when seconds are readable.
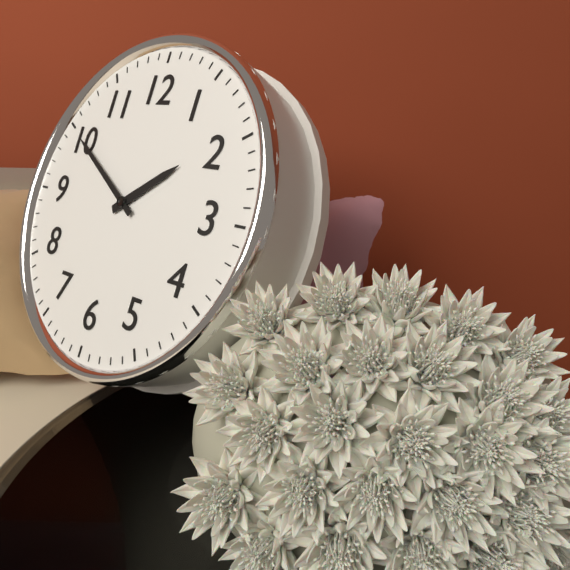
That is **1:50**
